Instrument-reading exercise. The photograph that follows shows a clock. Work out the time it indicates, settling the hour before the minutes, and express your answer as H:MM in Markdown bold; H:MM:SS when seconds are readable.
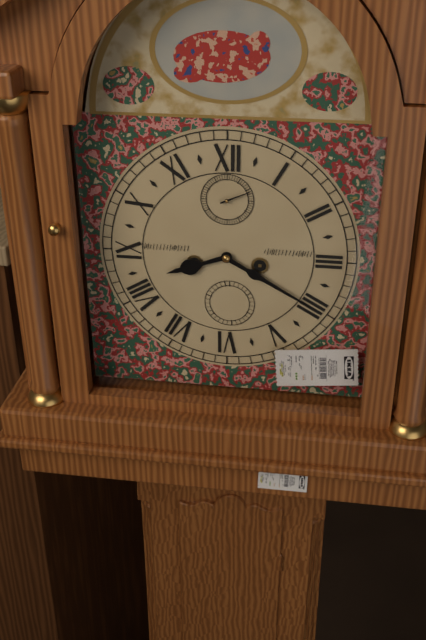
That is **8:20**
